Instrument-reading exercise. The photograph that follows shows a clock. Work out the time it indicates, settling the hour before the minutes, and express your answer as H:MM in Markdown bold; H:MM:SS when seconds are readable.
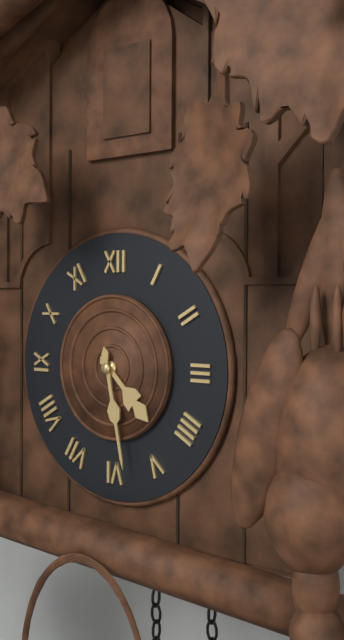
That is **4:28**
